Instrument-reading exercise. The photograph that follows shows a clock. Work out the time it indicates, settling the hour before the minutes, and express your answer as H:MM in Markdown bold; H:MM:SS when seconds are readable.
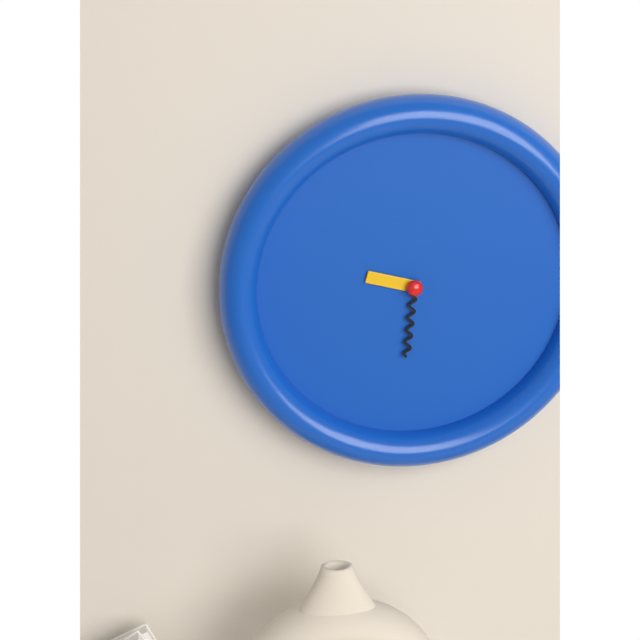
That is **9:31**
